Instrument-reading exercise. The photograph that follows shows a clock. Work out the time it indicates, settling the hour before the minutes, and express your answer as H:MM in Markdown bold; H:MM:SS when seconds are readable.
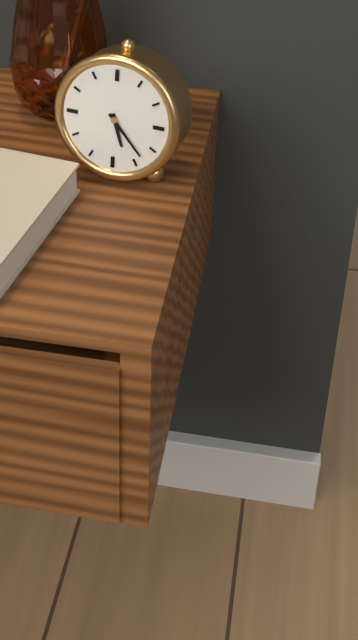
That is **5:23**
